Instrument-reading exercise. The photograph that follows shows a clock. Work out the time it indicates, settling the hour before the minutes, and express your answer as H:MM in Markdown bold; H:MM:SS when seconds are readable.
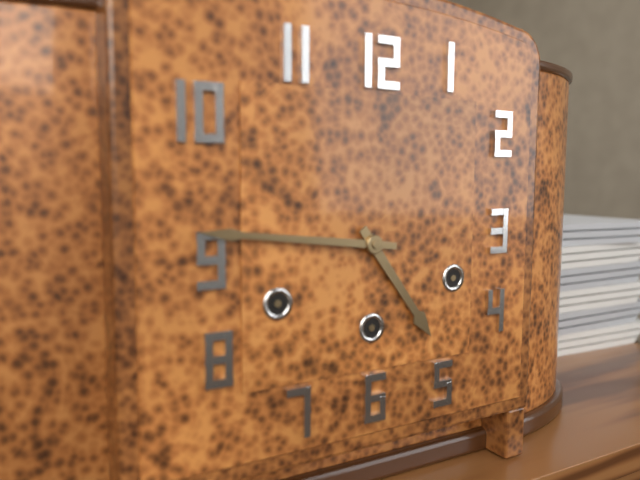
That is **4:46**
